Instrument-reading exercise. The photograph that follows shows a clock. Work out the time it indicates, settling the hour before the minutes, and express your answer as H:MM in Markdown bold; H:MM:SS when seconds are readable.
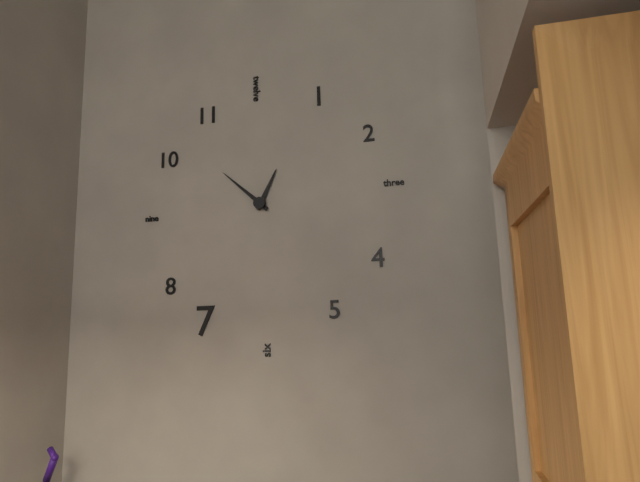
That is **12:52**
